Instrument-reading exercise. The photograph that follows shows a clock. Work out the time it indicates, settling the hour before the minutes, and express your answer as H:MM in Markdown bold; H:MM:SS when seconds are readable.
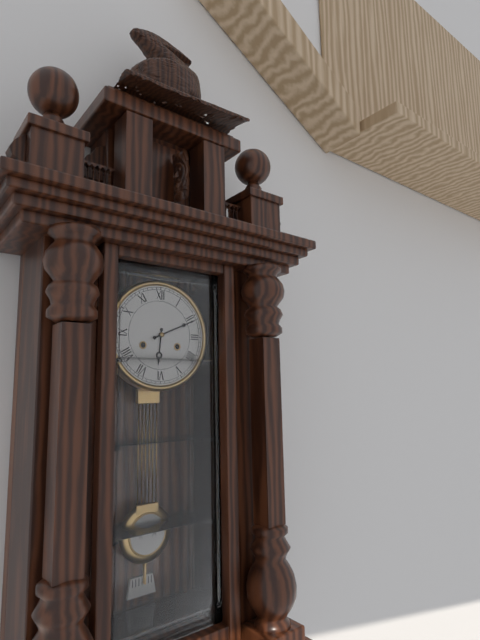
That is **6:11**
